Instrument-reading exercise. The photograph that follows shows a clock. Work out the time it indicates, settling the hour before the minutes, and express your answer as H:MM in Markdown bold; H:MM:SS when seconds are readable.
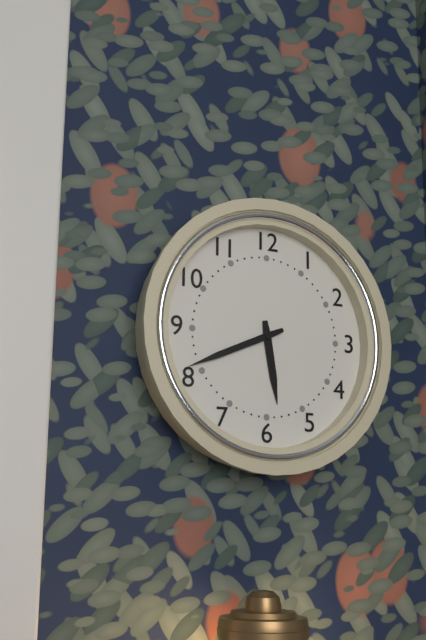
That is **5:41**
